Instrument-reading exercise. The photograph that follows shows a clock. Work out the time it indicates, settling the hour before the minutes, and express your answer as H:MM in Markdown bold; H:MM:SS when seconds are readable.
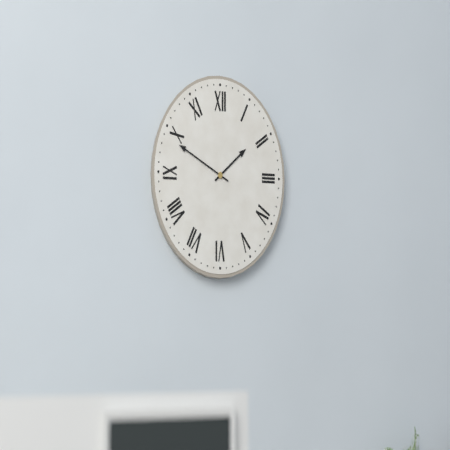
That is **1:49**
